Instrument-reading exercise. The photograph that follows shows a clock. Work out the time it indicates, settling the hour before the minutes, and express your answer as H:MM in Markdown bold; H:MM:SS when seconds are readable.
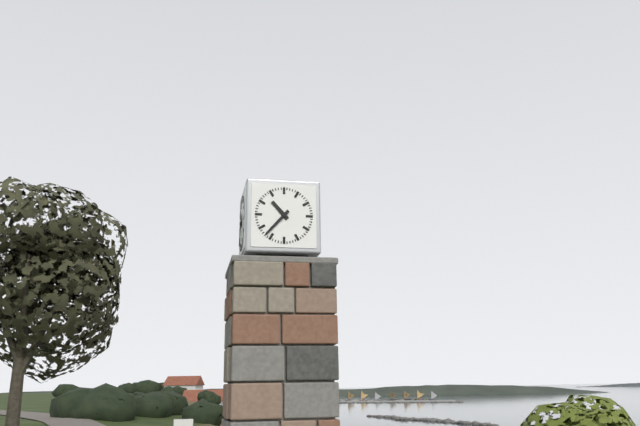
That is **10:37**
